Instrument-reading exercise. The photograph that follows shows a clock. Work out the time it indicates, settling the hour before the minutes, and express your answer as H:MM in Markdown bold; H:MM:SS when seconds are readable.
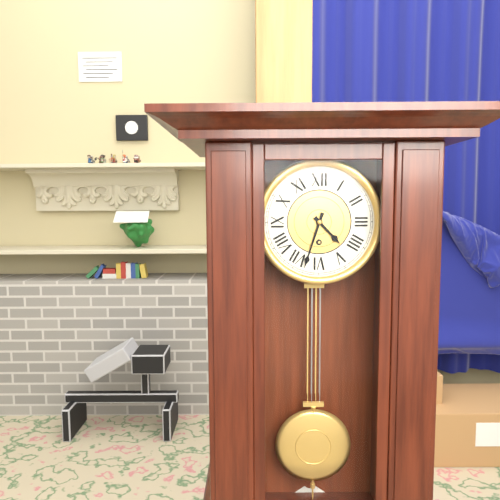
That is **4:33**
